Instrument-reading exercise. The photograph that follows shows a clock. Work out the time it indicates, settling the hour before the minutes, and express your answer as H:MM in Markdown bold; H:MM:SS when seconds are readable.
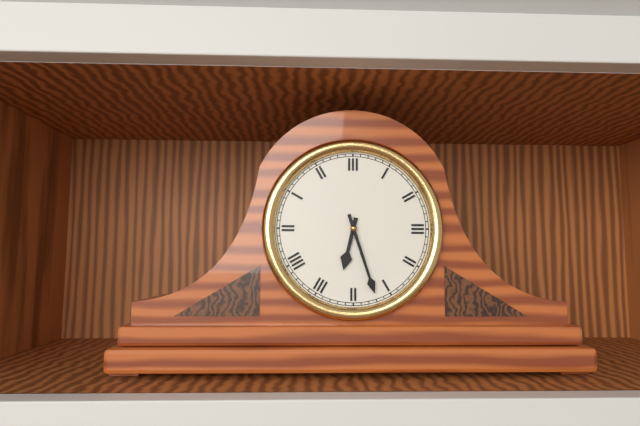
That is **6:27**
